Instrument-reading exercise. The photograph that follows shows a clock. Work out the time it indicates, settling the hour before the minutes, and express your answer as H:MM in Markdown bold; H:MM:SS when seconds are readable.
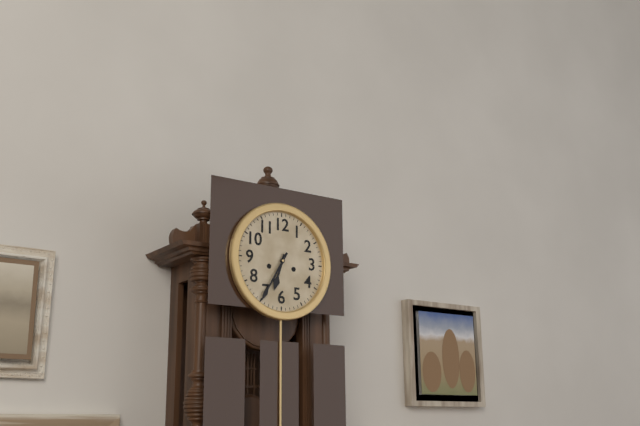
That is **6:35**
